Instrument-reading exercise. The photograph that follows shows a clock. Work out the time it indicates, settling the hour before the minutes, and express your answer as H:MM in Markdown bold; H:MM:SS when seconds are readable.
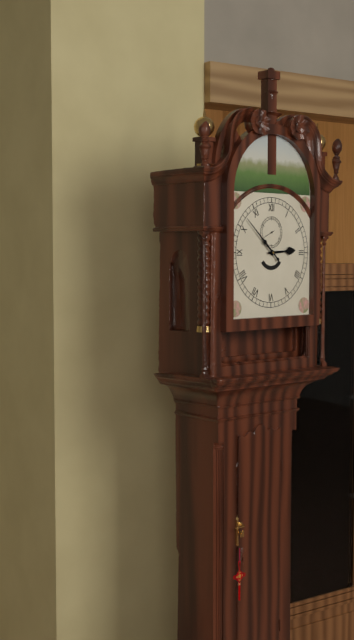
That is **2:52**
